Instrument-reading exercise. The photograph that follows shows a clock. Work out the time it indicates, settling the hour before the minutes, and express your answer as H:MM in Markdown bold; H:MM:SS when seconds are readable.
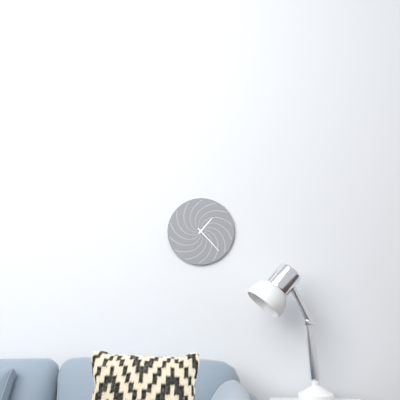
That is **1:23**
